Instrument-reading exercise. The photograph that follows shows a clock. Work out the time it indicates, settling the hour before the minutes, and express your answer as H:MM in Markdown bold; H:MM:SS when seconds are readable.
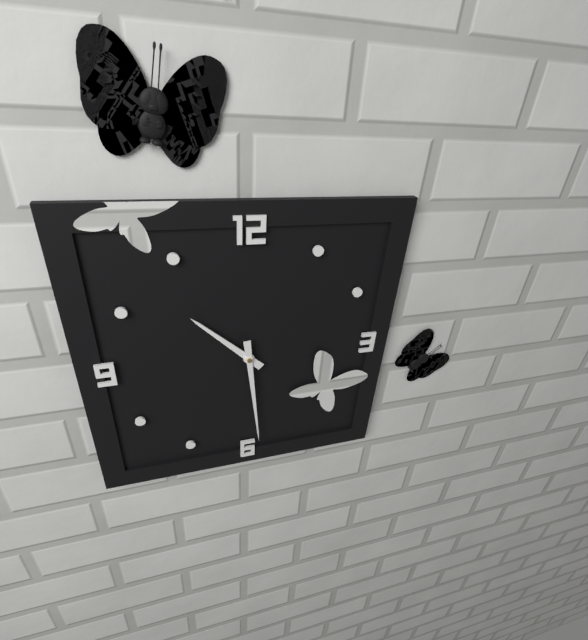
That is **10:29**
